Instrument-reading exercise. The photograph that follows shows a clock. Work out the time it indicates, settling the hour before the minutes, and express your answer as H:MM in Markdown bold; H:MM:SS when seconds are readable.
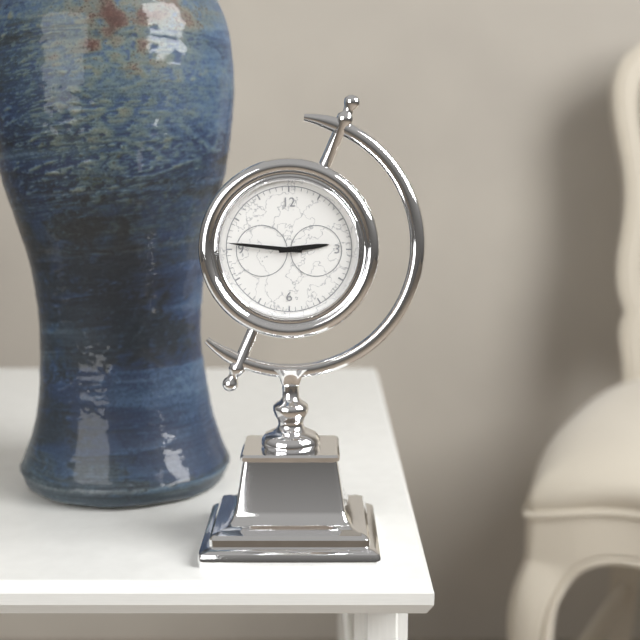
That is **2:46**
